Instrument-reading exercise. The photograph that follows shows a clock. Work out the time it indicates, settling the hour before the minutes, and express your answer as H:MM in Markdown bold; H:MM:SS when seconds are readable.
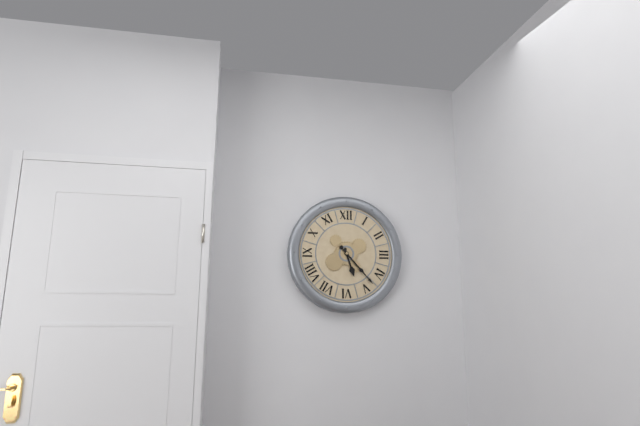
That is **5:23**
